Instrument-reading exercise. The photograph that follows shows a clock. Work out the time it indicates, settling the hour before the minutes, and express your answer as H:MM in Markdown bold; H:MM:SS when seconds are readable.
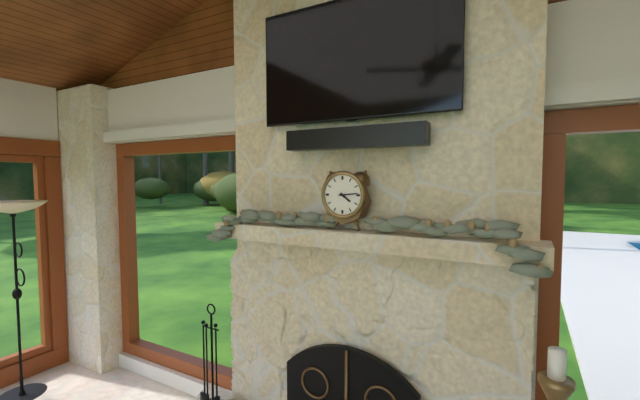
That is **4:14**
